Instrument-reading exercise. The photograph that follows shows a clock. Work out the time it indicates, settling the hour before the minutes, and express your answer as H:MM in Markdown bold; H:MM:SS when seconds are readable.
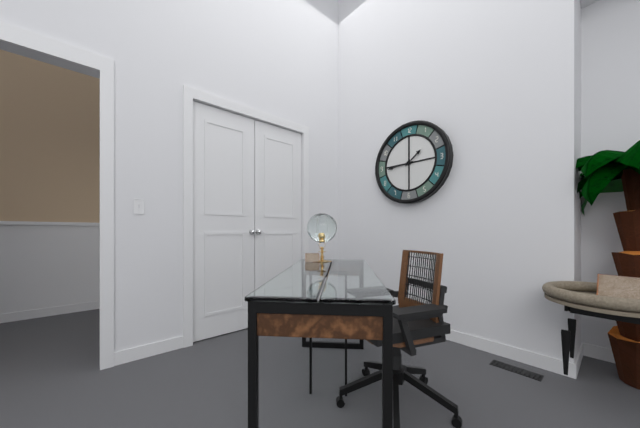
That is **1:44**
